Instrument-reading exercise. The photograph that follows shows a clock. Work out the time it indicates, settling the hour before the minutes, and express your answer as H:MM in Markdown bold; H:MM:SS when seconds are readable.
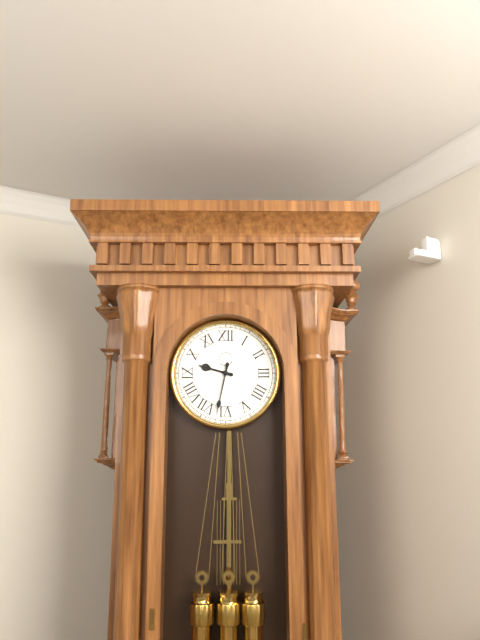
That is **9:32**
